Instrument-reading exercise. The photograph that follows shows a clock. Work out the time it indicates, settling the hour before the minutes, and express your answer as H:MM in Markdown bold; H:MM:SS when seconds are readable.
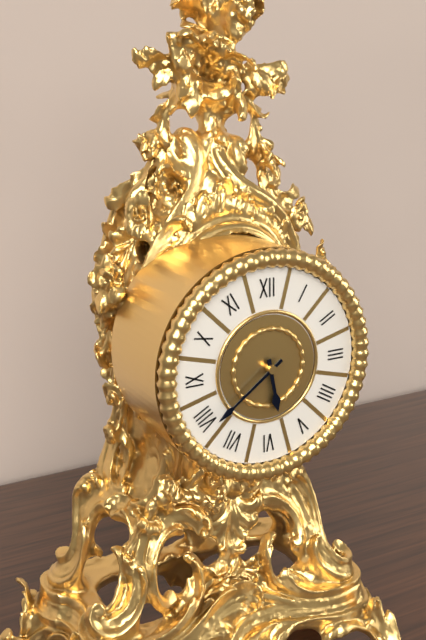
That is **5:39**
